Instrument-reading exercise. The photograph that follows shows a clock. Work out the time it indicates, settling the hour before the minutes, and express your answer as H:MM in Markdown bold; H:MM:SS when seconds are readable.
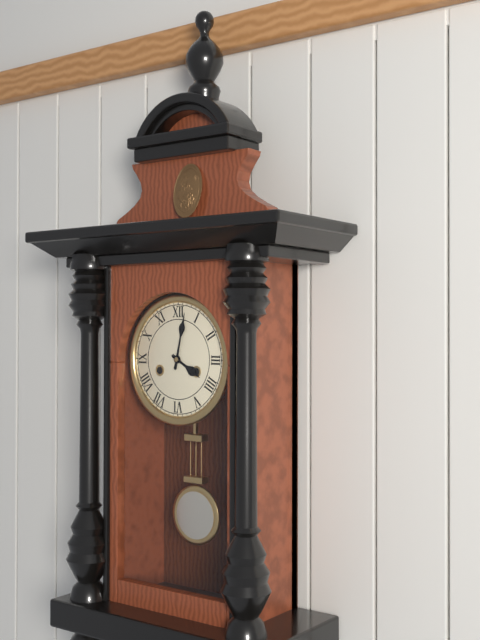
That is **4:02**
